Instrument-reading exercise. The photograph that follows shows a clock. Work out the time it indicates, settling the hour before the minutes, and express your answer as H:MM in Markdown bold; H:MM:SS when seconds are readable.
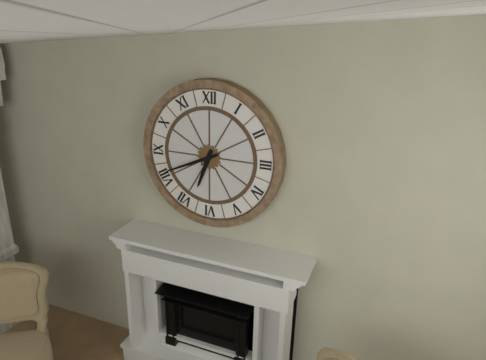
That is **6:41**
